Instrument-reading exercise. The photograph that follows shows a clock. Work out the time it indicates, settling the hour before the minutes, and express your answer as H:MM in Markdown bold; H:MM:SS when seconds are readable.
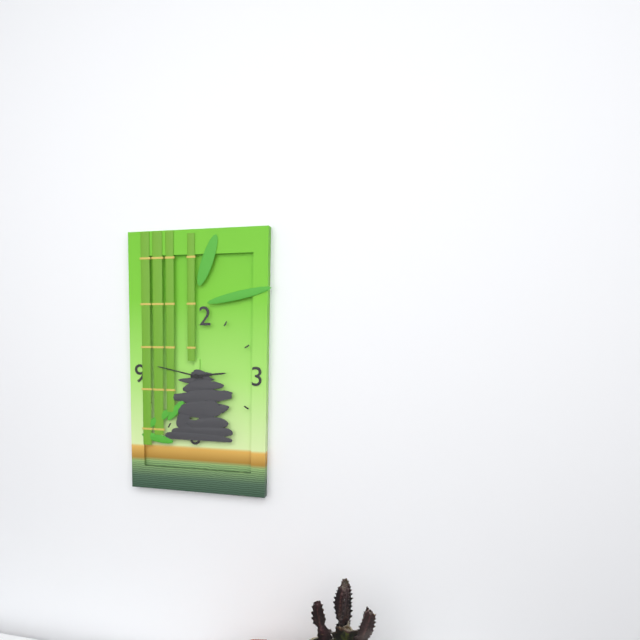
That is **2:47**
